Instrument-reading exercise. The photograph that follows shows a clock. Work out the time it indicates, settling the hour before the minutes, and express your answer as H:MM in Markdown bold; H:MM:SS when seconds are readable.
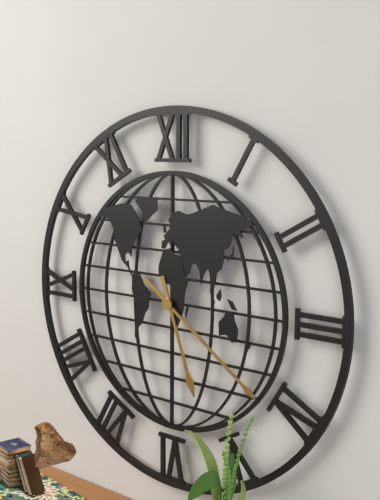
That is **5:21**
